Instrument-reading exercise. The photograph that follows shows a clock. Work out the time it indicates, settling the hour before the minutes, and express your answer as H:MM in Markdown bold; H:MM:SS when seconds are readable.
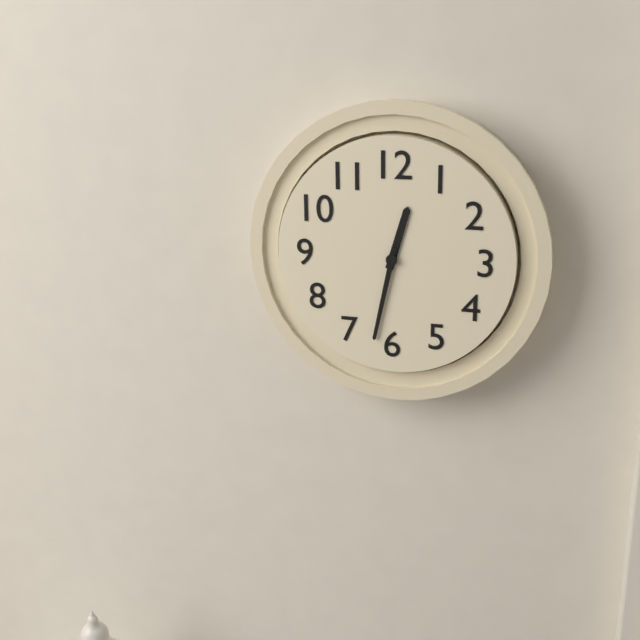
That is **12:32**
